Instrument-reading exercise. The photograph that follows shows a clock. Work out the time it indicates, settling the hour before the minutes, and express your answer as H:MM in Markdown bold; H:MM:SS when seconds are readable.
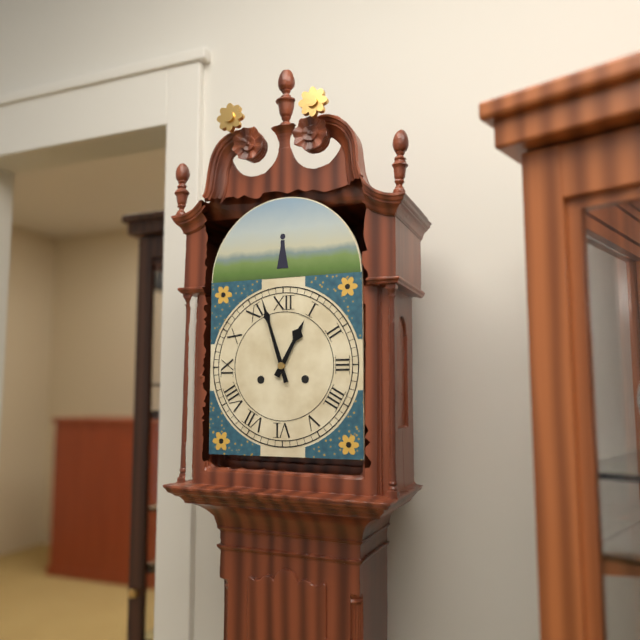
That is **12:57**
